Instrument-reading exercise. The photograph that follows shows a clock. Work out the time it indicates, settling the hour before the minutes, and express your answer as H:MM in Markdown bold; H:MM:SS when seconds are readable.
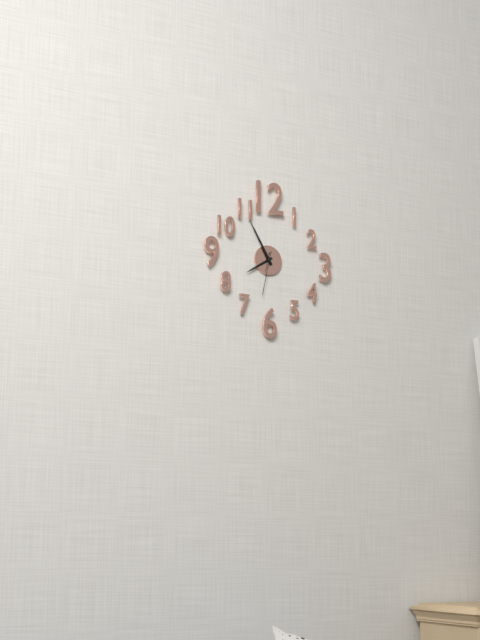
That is **7:55**
